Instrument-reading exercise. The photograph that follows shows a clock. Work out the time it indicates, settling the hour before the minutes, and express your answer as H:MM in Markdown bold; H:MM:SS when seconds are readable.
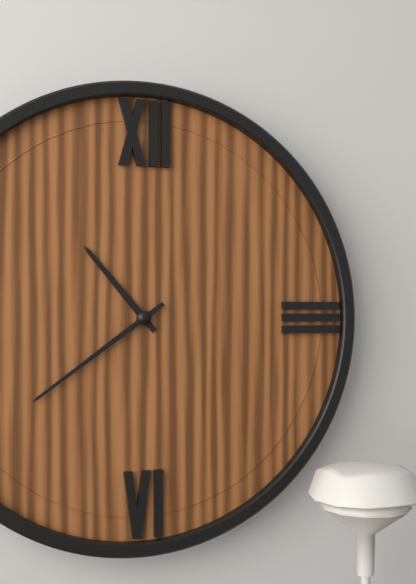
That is **10:39**
